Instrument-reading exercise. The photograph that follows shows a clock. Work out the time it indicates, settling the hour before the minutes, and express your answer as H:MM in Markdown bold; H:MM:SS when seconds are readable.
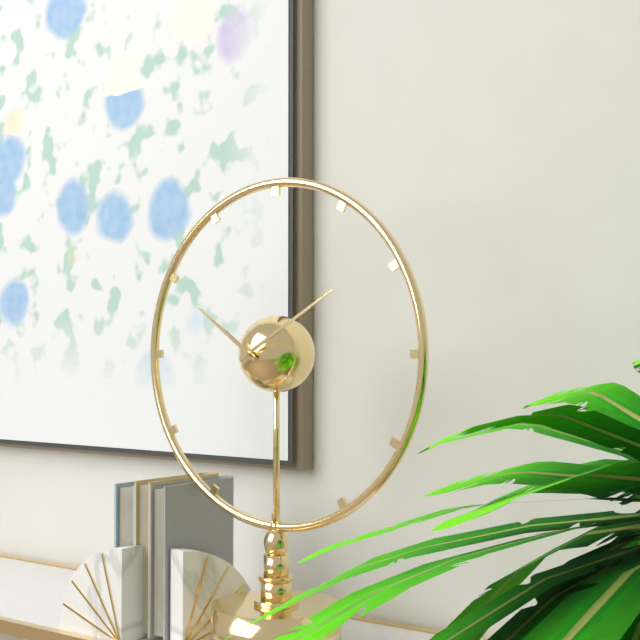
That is **10:10**
